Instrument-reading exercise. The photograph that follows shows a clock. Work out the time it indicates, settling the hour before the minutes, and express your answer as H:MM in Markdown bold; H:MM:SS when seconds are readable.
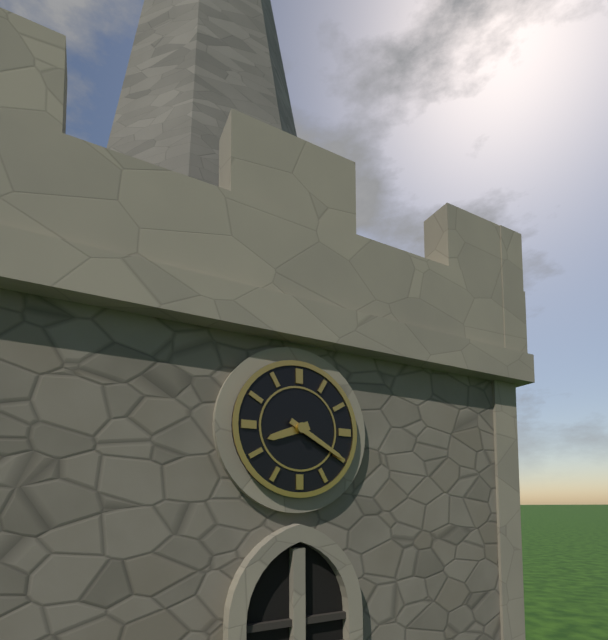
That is **8:20**
